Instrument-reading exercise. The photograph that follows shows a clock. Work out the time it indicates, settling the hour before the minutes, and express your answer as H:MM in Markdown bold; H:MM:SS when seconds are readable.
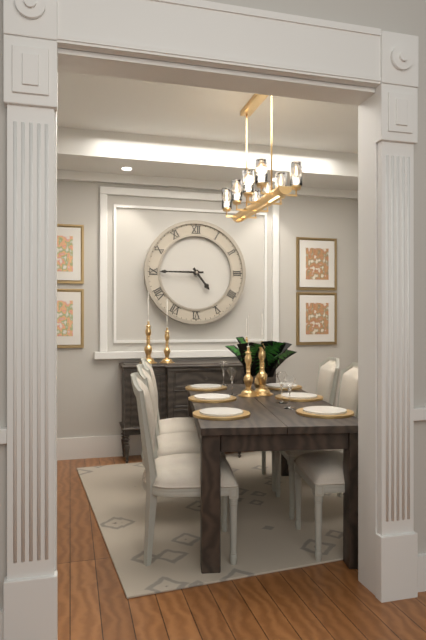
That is **4:45**
